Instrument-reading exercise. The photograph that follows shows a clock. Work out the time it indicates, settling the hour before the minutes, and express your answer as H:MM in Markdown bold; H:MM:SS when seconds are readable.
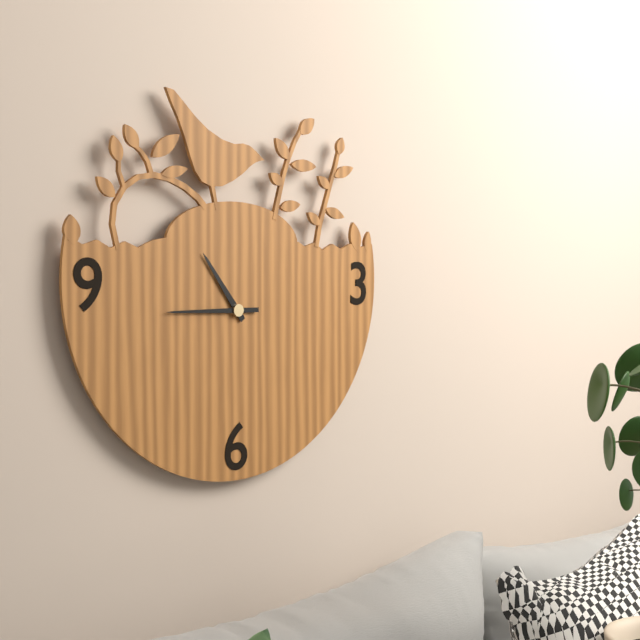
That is **10:45**
